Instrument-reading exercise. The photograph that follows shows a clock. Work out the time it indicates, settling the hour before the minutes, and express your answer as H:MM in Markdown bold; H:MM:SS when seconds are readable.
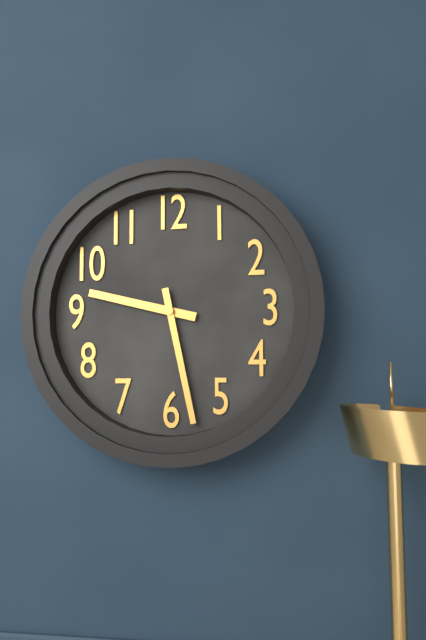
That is **9:28**
